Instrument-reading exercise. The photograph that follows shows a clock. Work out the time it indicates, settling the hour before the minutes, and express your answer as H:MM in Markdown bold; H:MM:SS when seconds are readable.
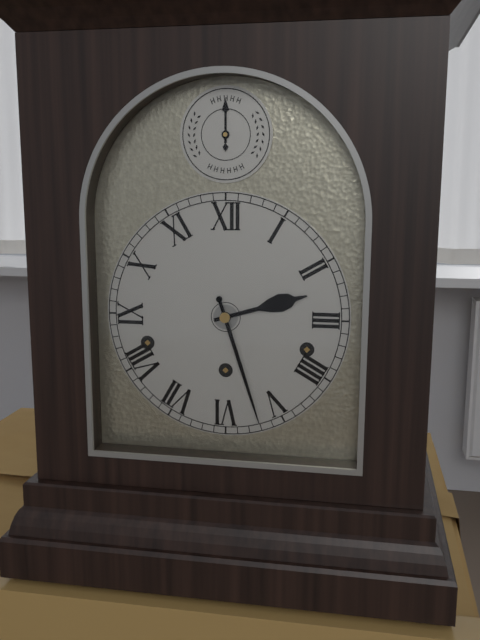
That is **2:27**
